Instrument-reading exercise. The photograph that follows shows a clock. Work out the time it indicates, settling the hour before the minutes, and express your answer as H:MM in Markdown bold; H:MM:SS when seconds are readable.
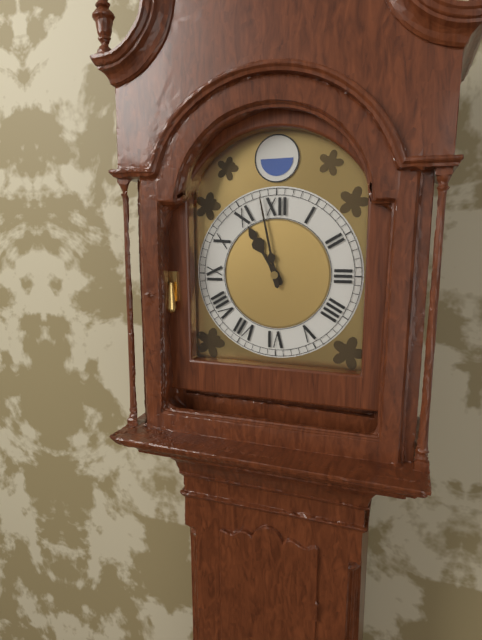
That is **10:58**
